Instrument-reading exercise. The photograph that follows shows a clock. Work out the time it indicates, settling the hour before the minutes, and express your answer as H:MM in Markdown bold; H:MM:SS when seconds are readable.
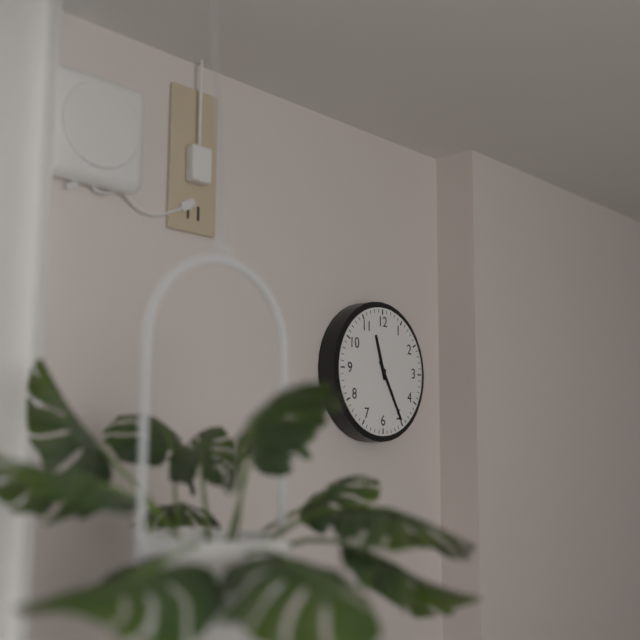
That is **11:25**
